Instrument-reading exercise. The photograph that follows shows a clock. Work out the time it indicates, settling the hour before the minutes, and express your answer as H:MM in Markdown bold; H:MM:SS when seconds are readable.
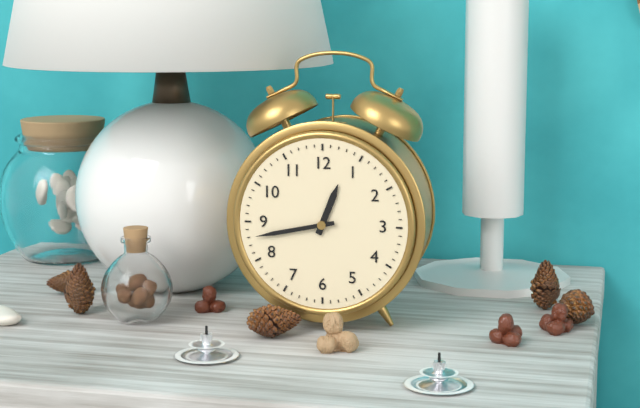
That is **12:43**
